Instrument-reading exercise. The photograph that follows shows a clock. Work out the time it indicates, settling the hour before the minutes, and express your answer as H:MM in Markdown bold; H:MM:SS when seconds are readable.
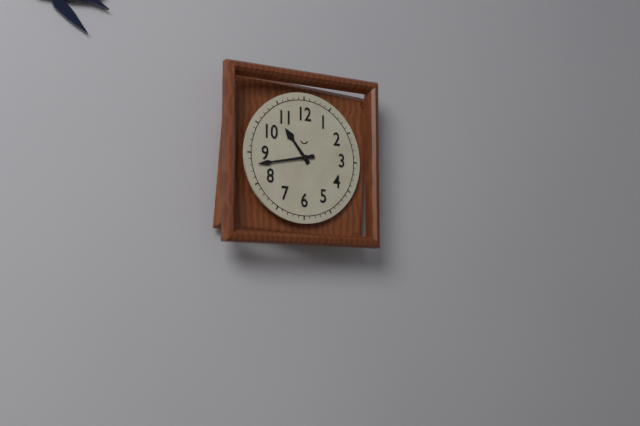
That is **10:43**
